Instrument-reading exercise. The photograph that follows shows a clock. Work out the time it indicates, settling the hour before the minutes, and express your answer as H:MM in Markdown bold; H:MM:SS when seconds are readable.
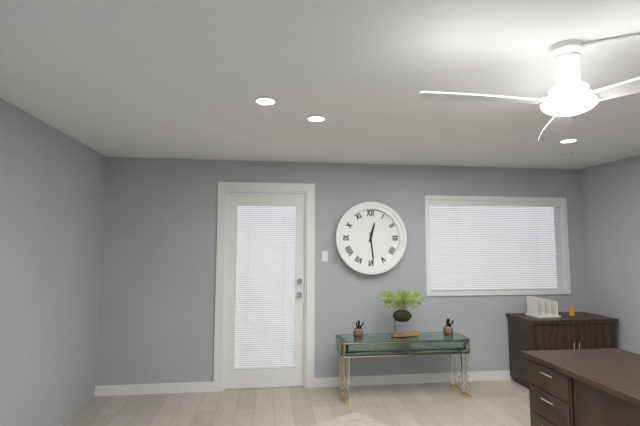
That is **12:29**
